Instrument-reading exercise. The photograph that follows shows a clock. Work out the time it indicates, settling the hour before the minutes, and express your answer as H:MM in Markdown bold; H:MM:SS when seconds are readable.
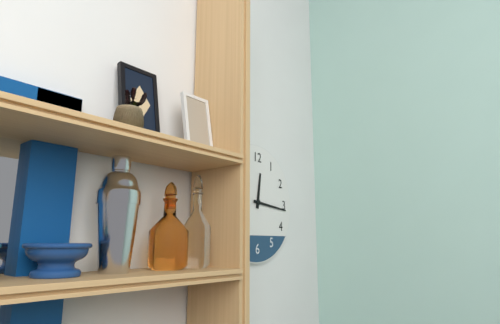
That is **12:16**
